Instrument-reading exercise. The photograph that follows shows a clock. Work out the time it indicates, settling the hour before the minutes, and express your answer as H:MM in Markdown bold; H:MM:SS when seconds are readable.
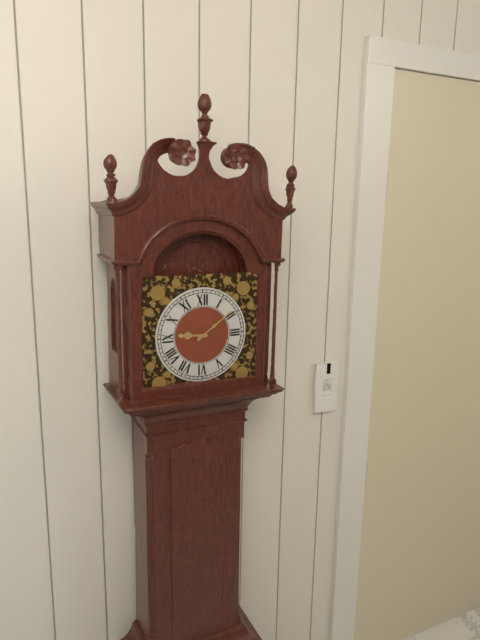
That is **9:09**
